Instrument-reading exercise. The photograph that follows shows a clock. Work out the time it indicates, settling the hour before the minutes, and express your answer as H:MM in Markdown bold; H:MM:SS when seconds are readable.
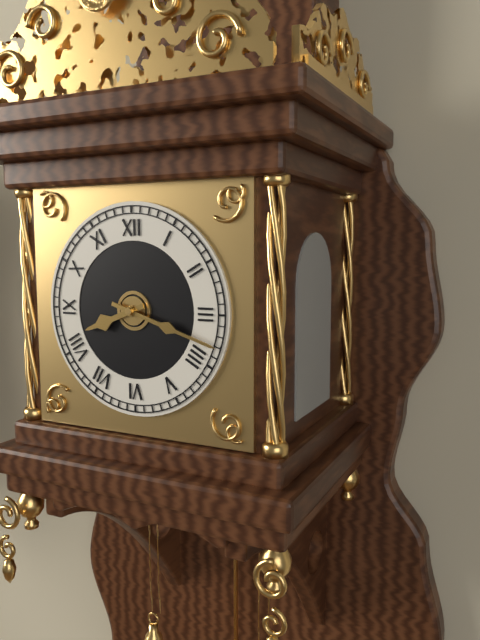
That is **8:18**
